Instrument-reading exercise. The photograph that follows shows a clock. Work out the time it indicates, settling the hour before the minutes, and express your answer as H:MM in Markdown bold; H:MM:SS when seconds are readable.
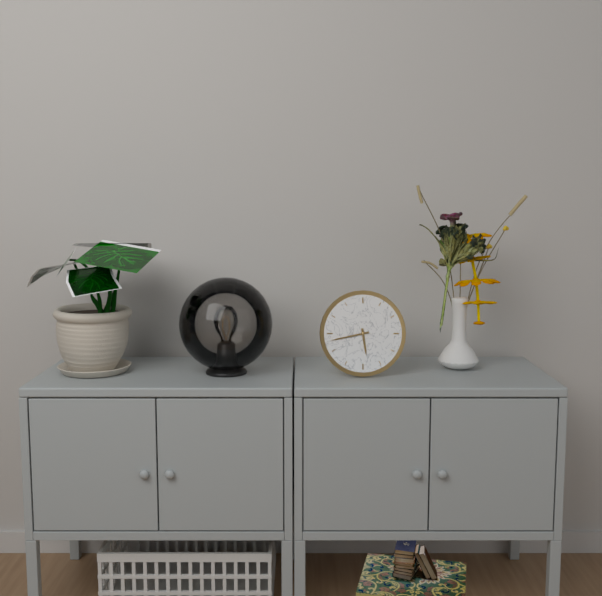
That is **5:43**
